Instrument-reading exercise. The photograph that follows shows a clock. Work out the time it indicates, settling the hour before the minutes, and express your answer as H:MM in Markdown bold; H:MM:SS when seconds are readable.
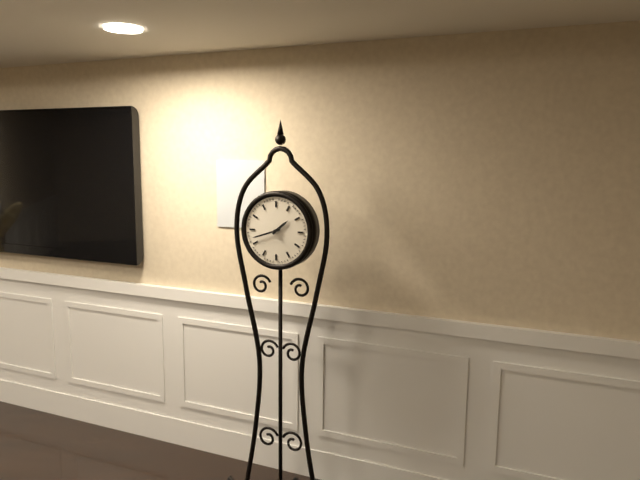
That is **1:42**
